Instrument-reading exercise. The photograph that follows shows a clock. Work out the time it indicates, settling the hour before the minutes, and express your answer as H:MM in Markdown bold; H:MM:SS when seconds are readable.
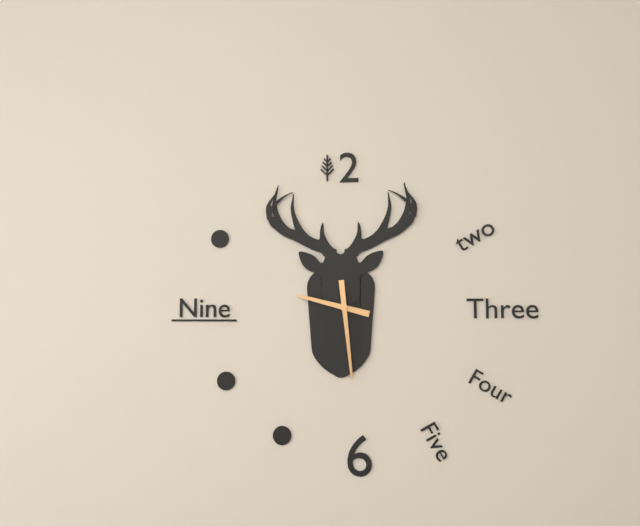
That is **9:29**
